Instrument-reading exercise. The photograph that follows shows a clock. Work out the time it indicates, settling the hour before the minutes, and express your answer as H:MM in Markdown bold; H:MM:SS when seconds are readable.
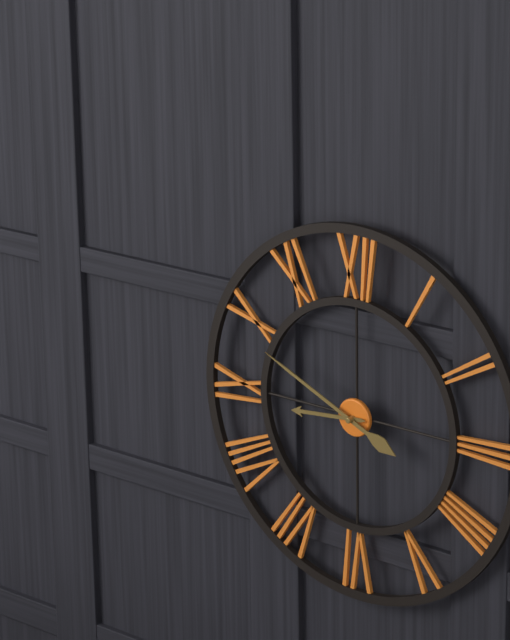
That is **8:49**
